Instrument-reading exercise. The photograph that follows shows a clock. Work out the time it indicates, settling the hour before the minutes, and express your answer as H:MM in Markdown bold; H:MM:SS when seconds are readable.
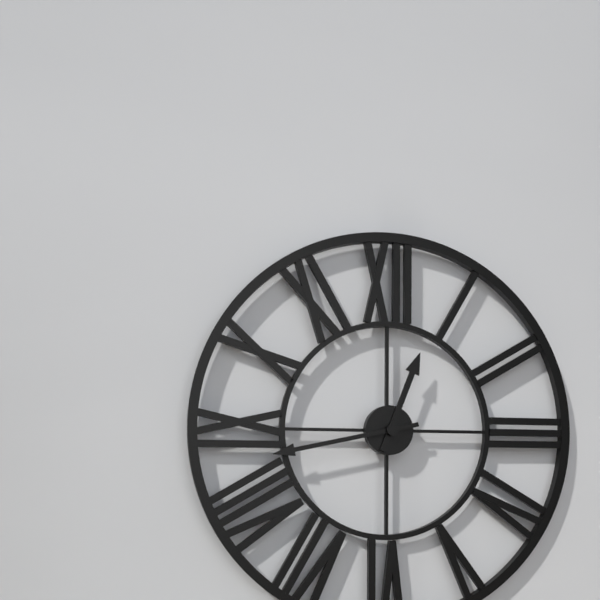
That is **12:43**
